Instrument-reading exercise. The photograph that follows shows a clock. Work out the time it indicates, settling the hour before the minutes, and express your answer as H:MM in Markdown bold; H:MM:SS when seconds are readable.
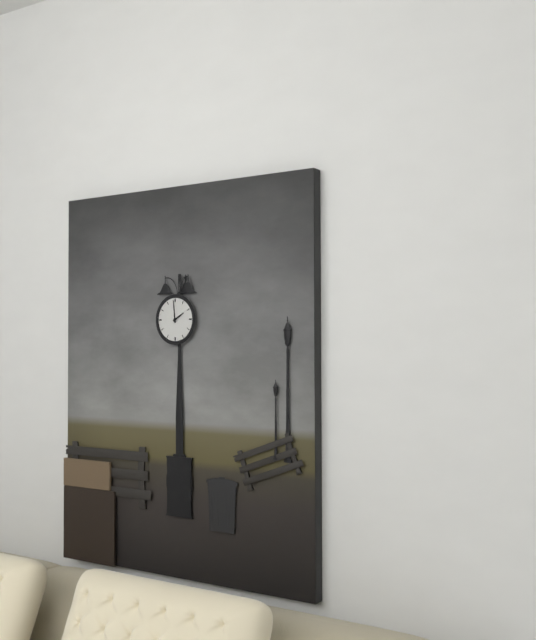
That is **1:59**
